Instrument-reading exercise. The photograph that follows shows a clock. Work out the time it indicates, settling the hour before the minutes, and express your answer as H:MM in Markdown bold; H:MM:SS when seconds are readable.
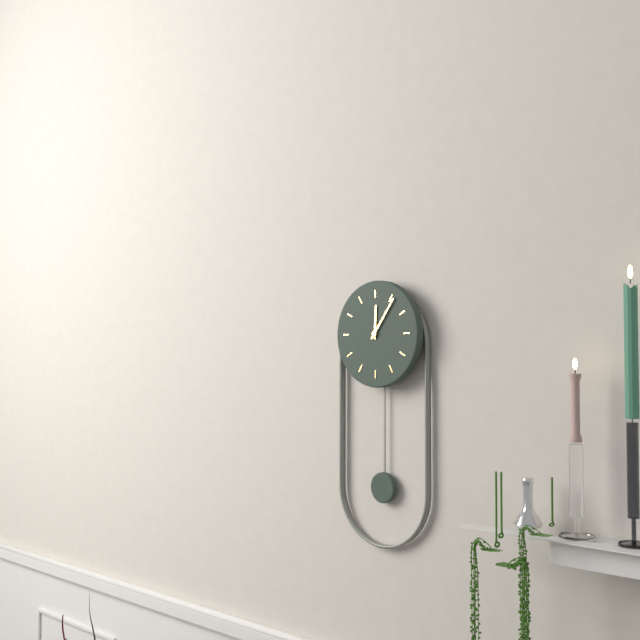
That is **12:06**
